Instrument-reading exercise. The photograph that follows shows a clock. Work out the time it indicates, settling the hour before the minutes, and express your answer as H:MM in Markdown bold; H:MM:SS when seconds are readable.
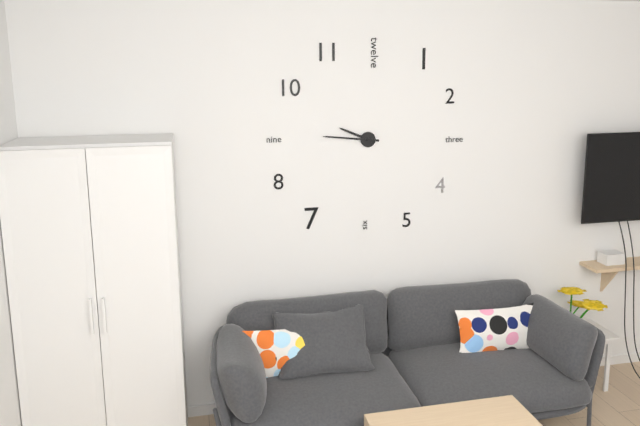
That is **9:46**
